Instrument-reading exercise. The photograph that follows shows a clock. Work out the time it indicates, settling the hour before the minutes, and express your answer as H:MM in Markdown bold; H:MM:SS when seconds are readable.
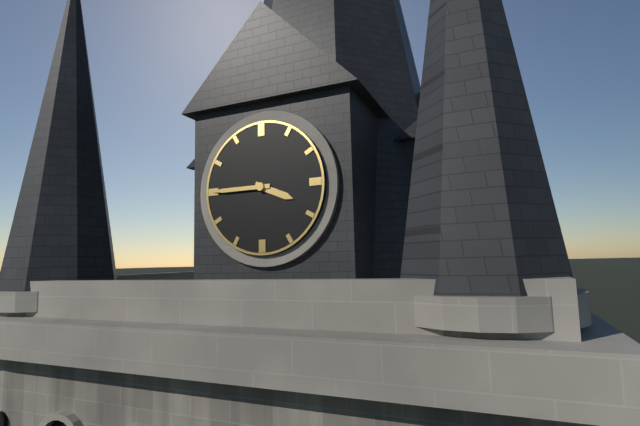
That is **3:45**
